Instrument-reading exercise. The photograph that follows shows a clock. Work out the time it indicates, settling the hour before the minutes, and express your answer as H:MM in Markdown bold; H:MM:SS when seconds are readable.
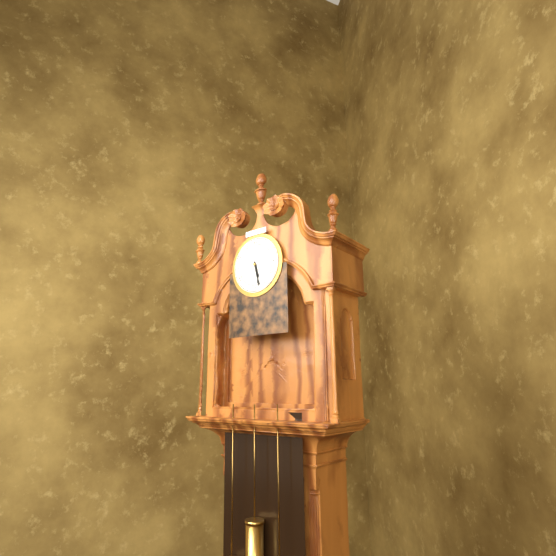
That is **5:28**
